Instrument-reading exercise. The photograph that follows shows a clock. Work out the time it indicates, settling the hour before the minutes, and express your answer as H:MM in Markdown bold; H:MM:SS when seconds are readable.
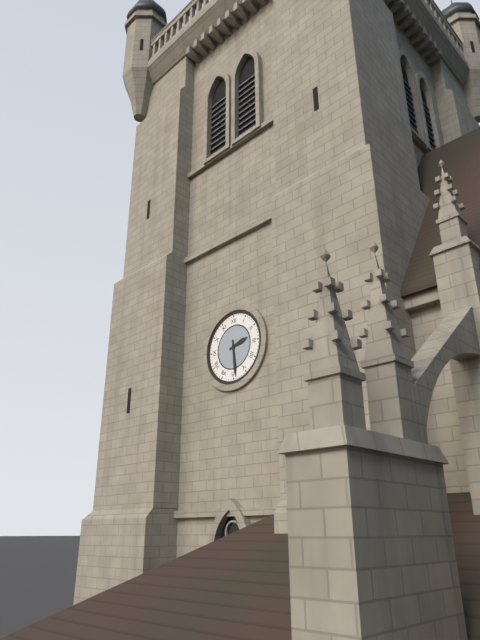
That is **2:29**
